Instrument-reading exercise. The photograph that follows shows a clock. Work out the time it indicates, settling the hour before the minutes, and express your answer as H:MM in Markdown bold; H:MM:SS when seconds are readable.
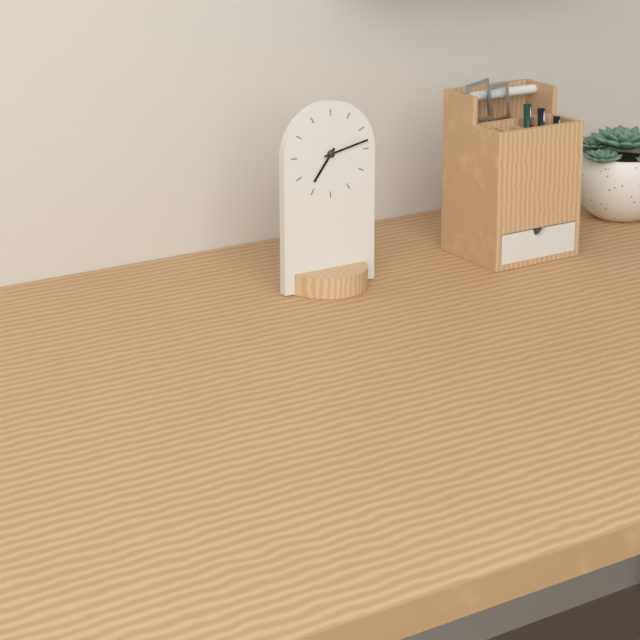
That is **7:13**
